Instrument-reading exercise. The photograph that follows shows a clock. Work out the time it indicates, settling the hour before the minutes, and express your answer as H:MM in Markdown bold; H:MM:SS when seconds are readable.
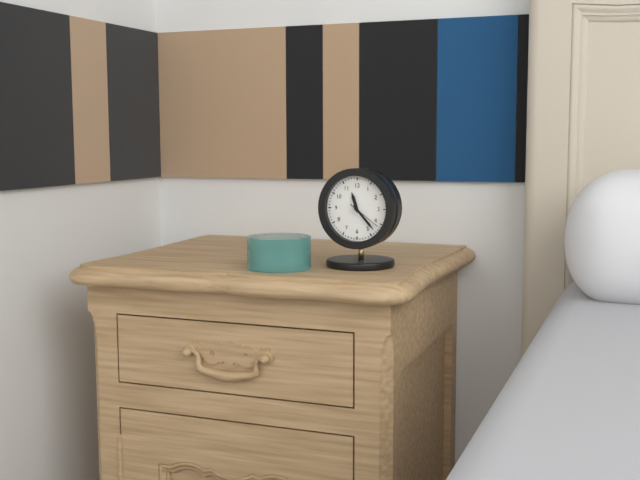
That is **11:23**
